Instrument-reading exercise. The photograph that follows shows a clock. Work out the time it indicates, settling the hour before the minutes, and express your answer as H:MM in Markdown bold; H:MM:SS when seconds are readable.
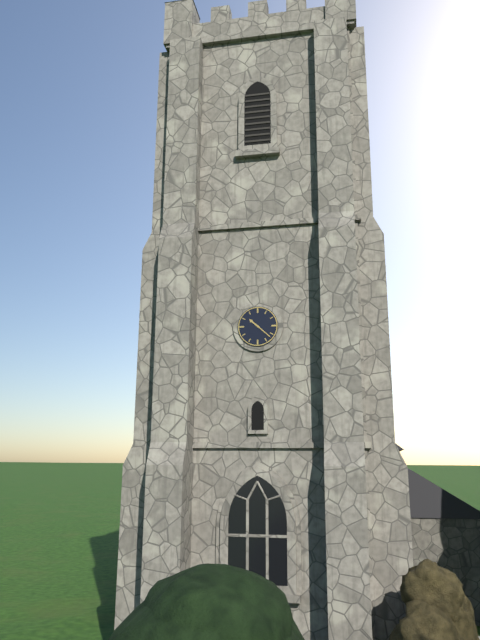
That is **10:22**
